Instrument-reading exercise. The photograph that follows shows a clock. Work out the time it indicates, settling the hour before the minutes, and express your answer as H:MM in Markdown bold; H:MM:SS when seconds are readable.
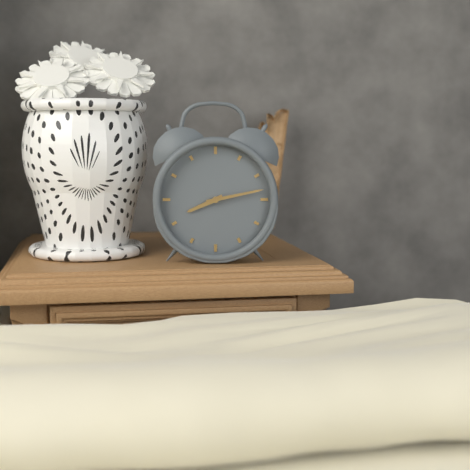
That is **8:13**
